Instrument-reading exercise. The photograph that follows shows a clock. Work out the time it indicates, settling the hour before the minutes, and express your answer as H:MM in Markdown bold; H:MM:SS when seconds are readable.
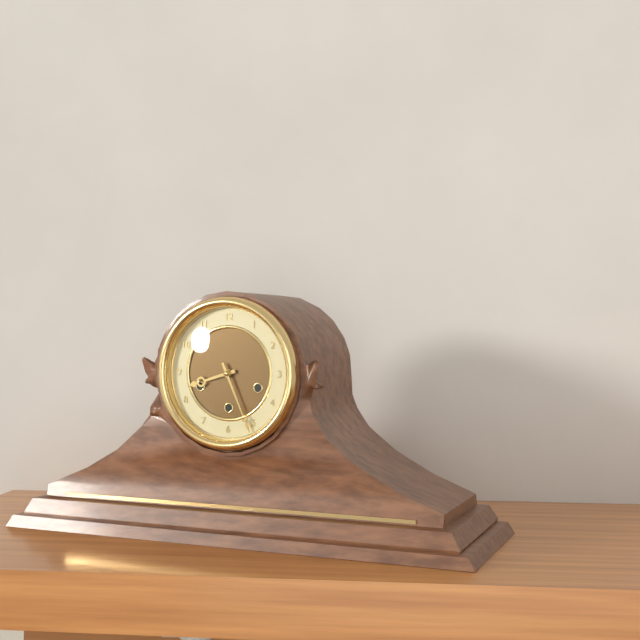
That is **8:26**
